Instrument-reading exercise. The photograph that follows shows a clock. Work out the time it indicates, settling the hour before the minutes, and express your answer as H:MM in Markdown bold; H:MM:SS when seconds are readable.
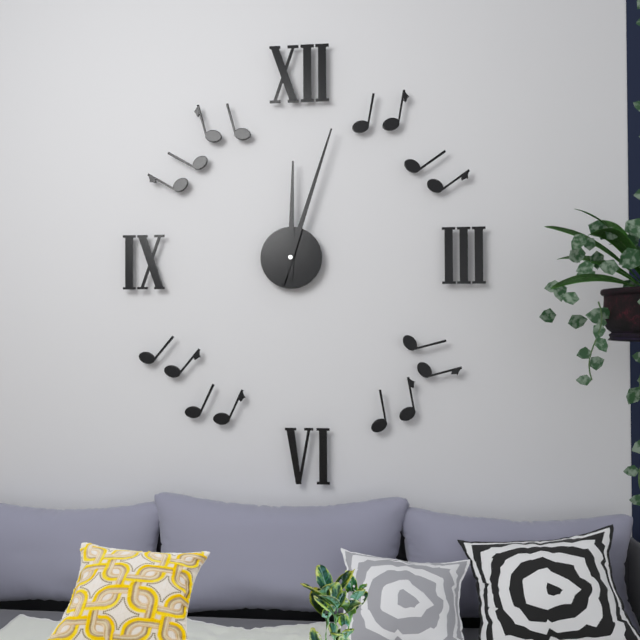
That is **12:03**
